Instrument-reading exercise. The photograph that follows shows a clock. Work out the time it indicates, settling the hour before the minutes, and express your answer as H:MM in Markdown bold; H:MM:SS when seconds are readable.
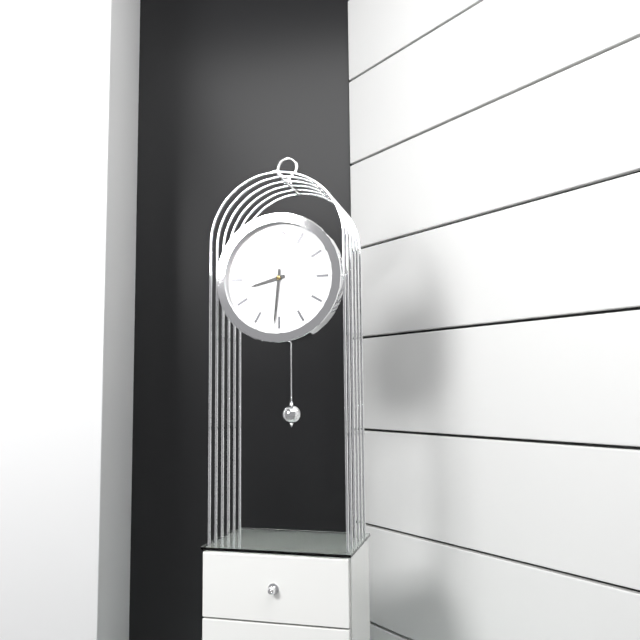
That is **8:31**
